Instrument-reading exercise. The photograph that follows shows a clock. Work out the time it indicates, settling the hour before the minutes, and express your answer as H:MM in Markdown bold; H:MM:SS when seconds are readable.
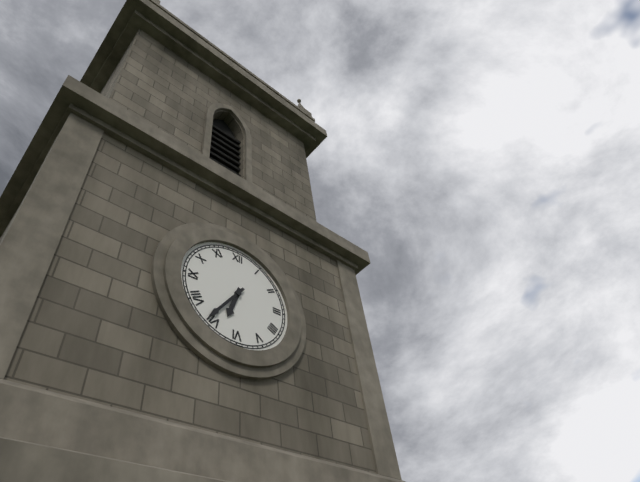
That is **6:36**
